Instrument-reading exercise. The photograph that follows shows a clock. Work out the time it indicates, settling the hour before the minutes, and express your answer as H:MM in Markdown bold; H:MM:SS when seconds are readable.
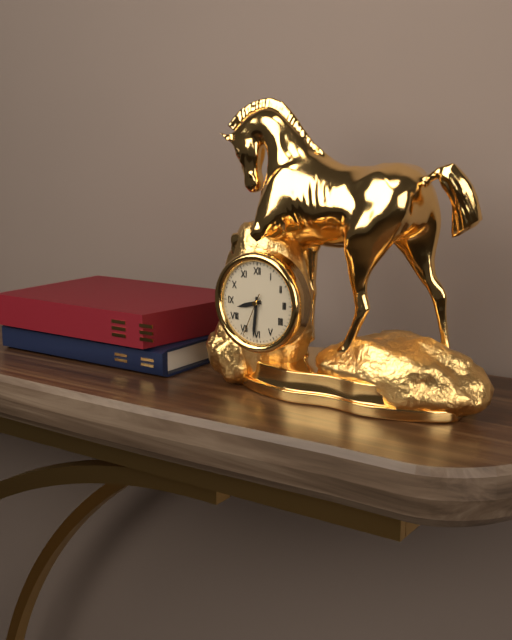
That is **8:31**
